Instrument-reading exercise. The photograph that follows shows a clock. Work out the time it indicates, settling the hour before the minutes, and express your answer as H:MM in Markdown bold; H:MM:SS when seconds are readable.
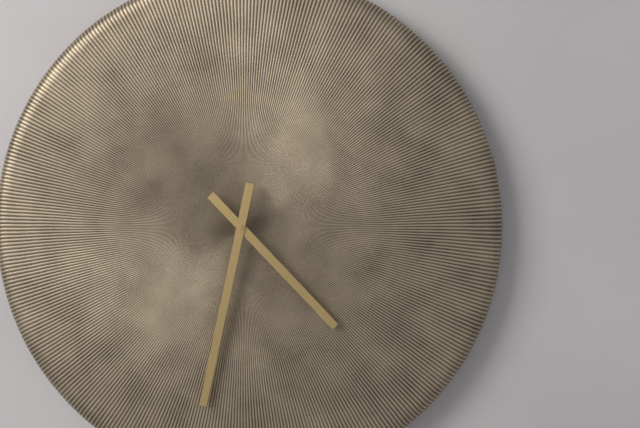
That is **4:32**
